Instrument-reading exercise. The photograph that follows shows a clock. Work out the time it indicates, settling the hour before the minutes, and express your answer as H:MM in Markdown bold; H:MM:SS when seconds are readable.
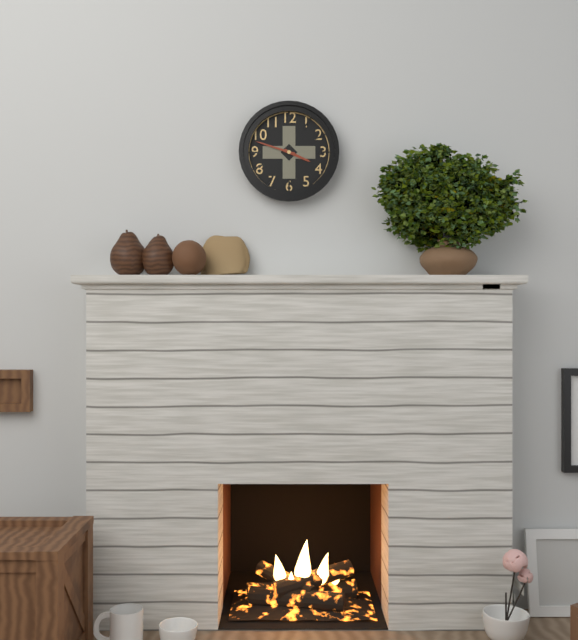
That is **3:48**
